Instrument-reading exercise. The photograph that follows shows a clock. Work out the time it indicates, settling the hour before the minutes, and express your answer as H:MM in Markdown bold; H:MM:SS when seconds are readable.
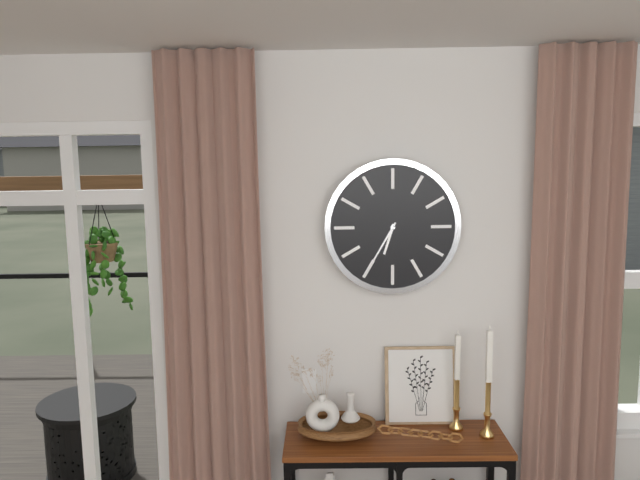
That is **6:35**
